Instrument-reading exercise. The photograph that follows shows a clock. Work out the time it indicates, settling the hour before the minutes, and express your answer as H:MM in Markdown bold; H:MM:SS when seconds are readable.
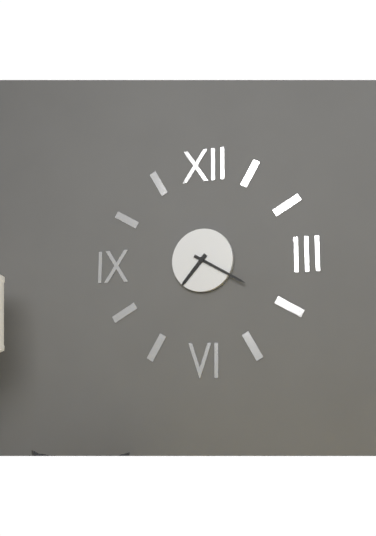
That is **7:20**
